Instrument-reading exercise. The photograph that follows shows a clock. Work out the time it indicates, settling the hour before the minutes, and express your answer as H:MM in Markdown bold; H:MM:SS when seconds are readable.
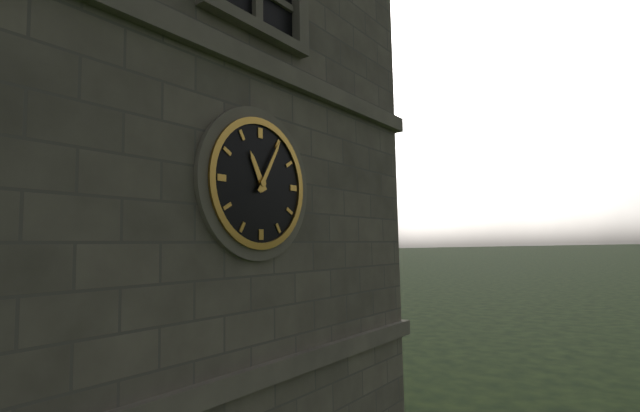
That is **11:05**
